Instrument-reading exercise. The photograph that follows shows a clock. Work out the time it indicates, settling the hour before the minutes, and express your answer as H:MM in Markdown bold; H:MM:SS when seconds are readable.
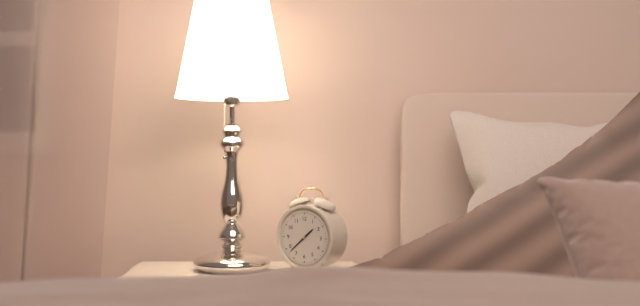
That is **1:38**
